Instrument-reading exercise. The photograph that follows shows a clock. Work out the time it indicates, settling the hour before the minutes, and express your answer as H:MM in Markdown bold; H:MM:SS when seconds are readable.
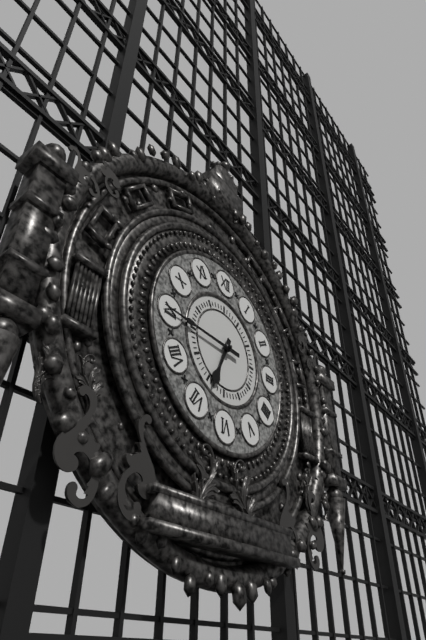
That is **6:45**
